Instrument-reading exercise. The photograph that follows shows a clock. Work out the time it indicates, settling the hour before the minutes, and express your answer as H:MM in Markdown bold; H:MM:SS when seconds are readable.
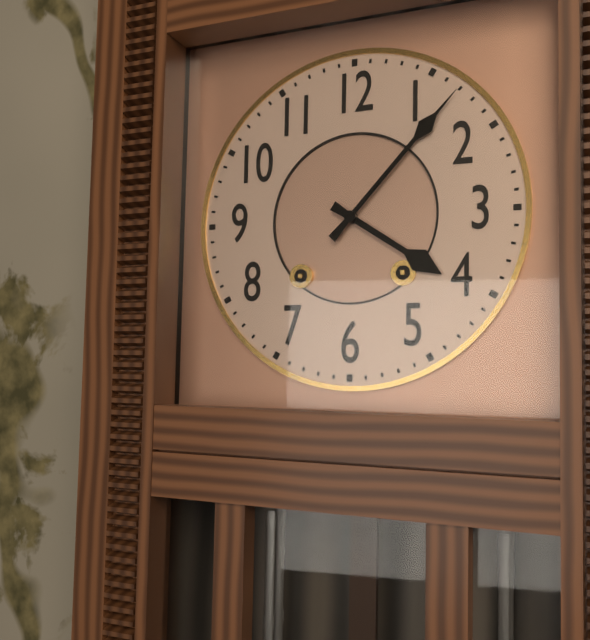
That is **4:07**
